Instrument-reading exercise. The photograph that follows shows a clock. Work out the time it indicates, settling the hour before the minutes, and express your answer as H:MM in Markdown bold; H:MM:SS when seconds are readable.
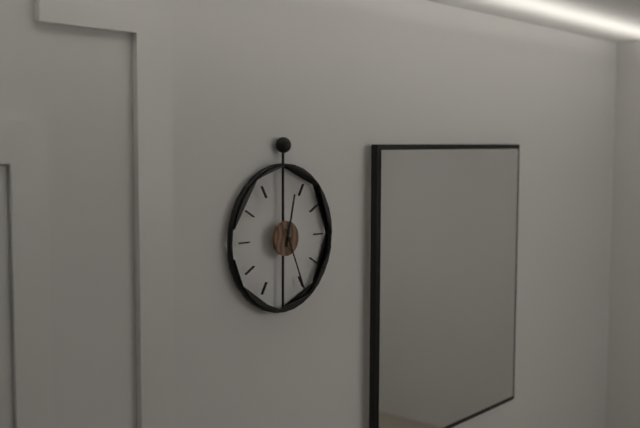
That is **12:26**
